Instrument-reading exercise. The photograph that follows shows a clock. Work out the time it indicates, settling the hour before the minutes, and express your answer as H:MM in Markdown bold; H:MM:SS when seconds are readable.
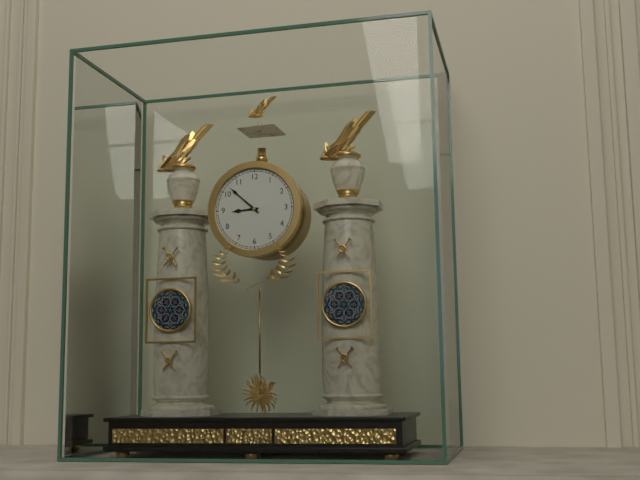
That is **8:52**
